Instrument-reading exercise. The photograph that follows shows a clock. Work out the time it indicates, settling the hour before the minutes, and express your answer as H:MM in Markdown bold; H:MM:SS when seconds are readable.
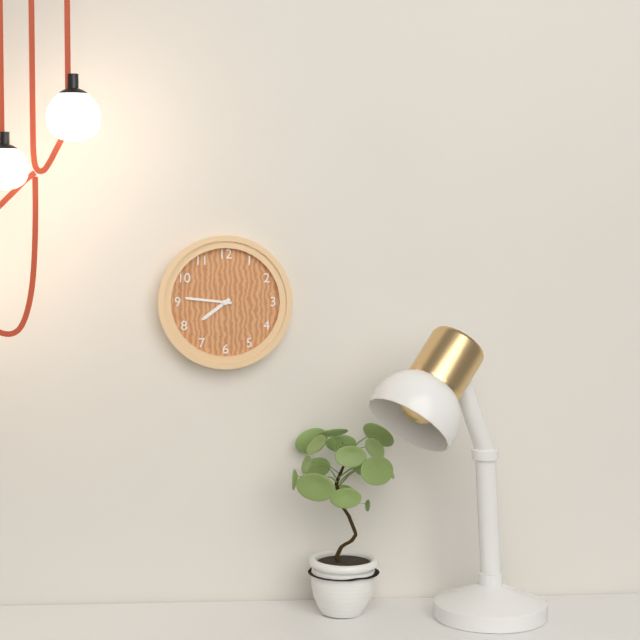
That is **7:46**
